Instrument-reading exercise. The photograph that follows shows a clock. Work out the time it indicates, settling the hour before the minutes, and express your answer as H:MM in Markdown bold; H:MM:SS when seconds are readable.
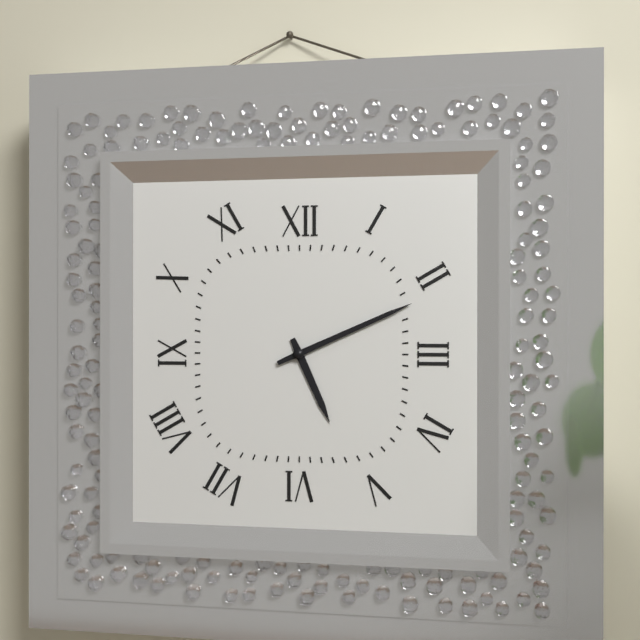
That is **5:11**
